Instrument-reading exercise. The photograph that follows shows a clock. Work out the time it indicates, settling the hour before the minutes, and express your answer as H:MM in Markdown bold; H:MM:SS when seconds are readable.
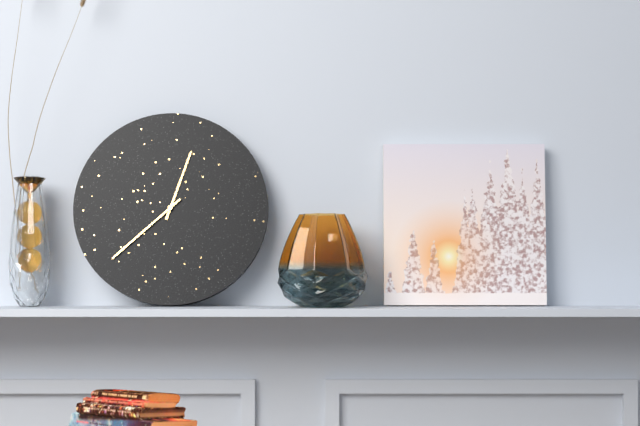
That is **12:38**
